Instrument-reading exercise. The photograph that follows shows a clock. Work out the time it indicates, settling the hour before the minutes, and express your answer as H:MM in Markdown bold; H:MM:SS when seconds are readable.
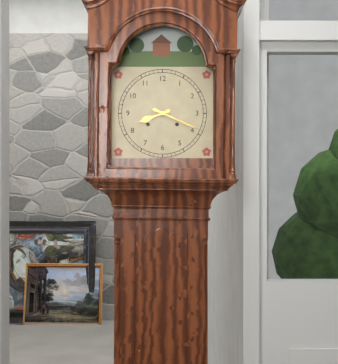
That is **8:19**
